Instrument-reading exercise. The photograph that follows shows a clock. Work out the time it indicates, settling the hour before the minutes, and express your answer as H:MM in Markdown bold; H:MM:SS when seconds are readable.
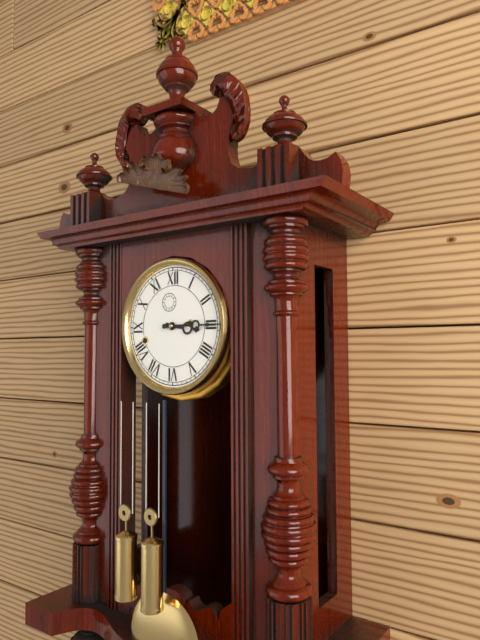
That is **3:15**
